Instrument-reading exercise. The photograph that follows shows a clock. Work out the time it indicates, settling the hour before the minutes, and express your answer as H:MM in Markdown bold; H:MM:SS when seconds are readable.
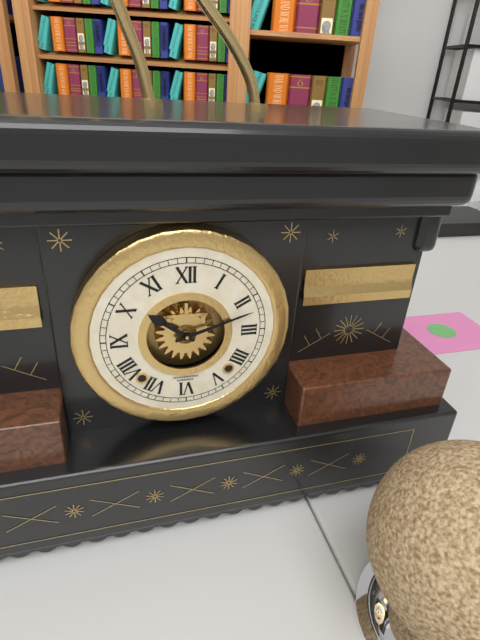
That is **10:12**
